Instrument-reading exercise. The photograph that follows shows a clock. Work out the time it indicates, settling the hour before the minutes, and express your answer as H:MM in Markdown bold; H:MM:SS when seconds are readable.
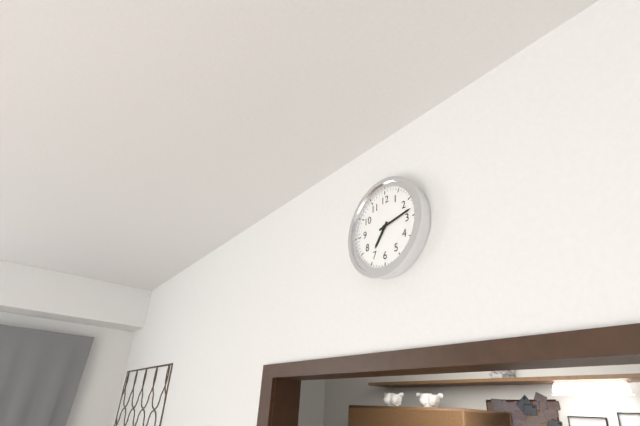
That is **7:13**
